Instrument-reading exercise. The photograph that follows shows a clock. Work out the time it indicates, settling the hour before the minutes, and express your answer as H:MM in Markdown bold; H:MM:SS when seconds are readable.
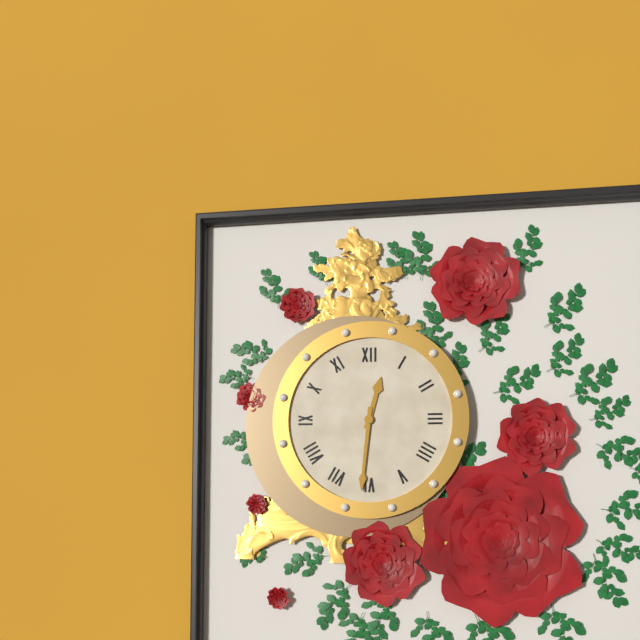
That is **12:31**
